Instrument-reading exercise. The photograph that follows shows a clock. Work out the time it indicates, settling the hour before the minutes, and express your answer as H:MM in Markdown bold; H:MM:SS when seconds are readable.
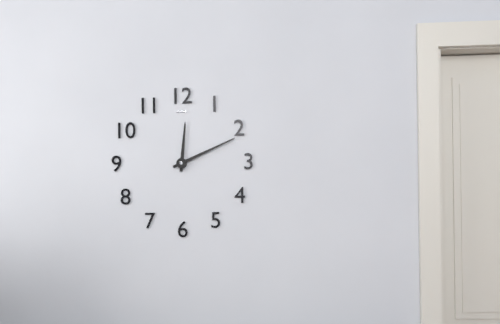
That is **12:11**
